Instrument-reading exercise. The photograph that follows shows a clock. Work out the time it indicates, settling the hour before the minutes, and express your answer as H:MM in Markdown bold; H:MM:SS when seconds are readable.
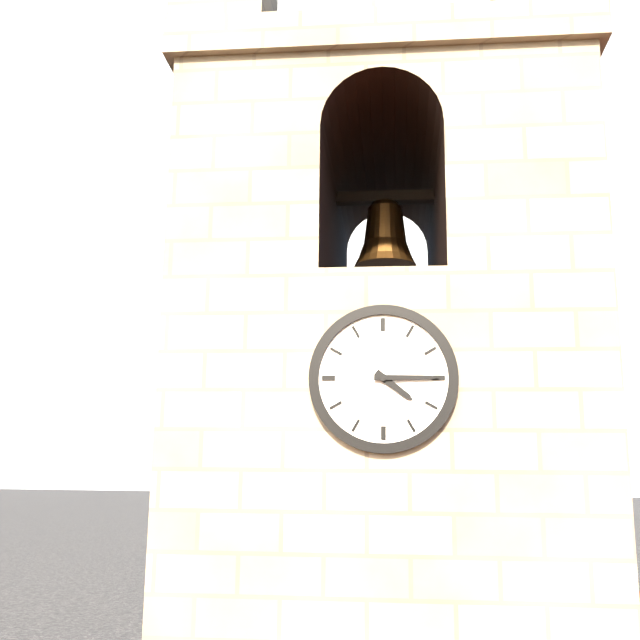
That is **4:15**
